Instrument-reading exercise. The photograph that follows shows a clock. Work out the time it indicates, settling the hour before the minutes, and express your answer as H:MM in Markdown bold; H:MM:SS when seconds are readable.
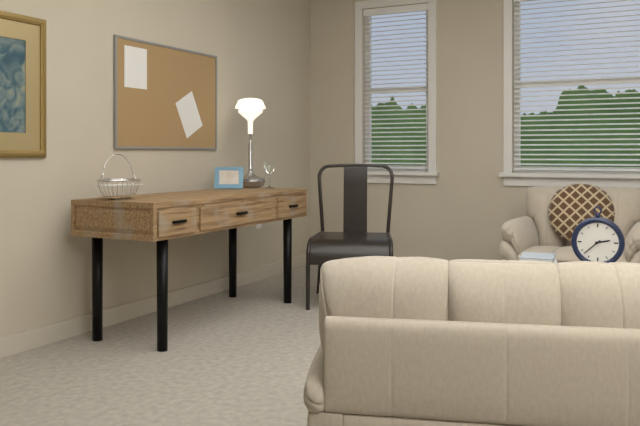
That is **2:38**
